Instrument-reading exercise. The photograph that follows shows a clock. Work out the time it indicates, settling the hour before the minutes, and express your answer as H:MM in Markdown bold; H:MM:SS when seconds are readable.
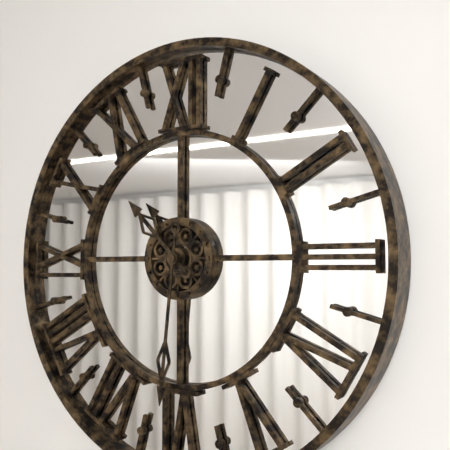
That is **10:31**
